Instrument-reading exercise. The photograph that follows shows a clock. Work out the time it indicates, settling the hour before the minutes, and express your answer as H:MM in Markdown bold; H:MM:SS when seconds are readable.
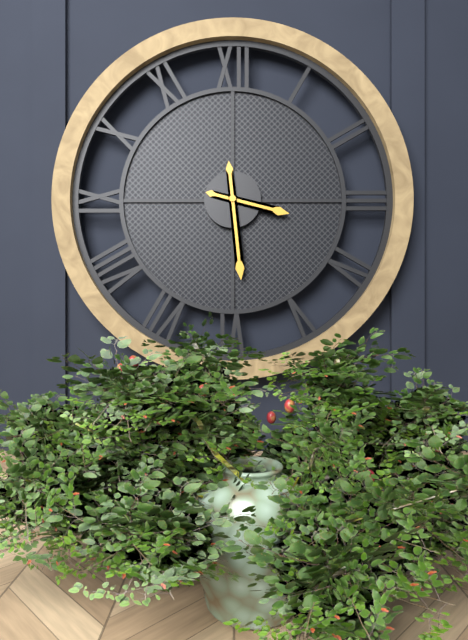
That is **3:29**
